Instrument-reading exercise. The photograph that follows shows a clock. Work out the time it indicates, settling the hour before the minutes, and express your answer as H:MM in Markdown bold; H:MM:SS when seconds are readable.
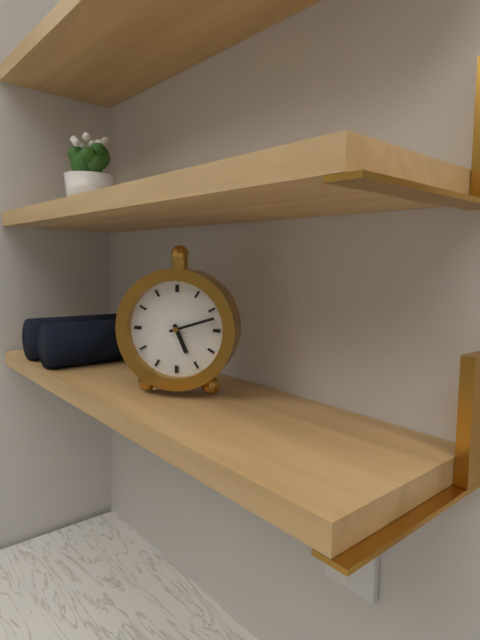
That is **5:12**
